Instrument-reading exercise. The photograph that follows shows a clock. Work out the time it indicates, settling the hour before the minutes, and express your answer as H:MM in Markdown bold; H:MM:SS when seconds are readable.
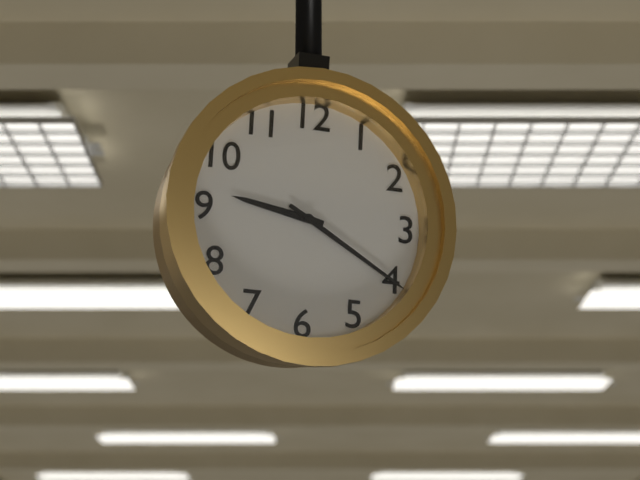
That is **9:20**
